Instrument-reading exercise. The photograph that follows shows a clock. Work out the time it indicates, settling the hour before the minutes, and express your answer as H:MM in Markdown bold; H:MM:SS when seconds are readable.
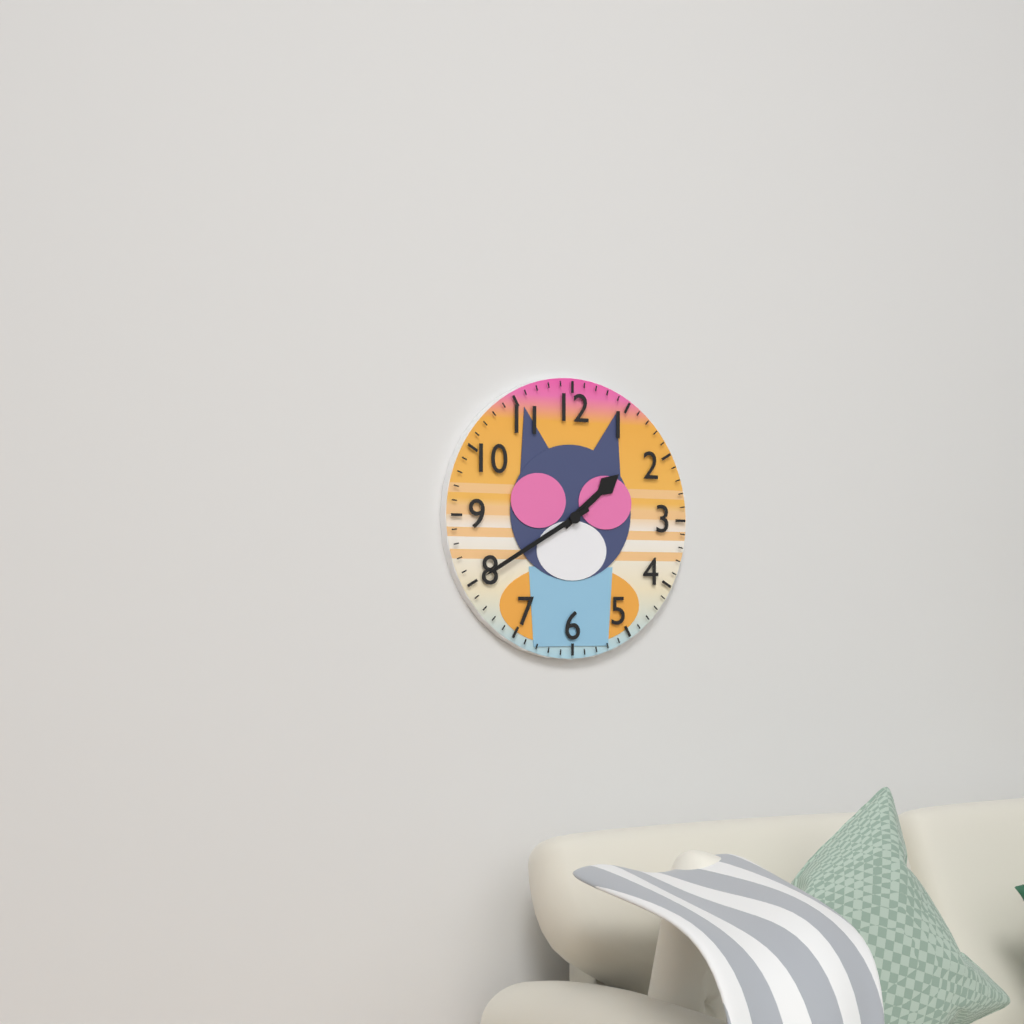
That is **1:40**
